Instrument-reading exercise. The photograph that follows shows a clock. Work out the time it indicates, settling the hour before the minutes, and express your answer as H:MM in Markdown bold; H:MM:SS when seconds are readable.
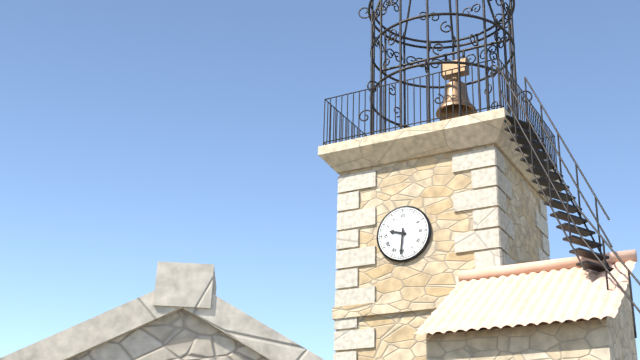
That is **9:31**
